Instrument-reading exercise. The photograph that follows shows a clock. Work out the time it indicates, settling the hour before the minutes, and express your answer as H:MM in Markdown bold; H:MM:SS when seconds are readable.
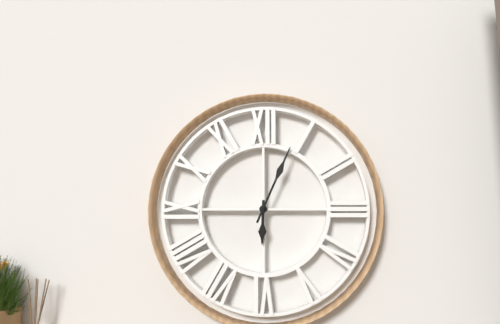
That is **6:04**
